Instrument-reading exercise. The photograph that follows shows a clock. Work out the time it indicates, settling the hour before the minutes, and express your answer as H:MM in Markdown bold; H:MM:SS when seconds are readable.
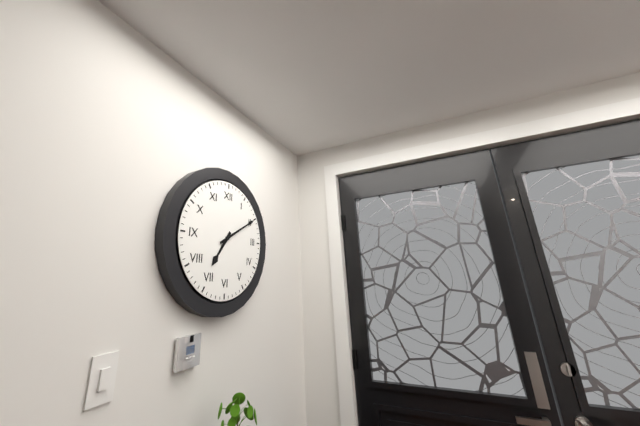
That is **7:10**
